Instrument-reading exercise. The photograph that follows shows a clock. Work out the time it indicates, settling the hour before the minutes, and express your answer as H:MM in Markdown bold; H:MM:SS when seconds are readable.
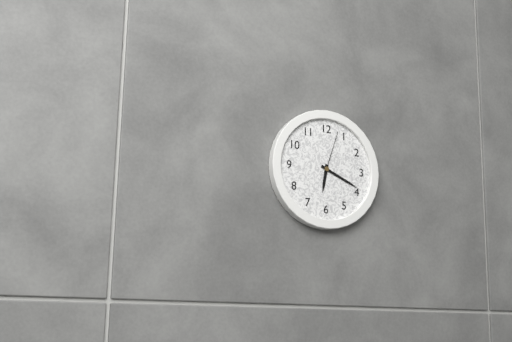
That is **6:19**
